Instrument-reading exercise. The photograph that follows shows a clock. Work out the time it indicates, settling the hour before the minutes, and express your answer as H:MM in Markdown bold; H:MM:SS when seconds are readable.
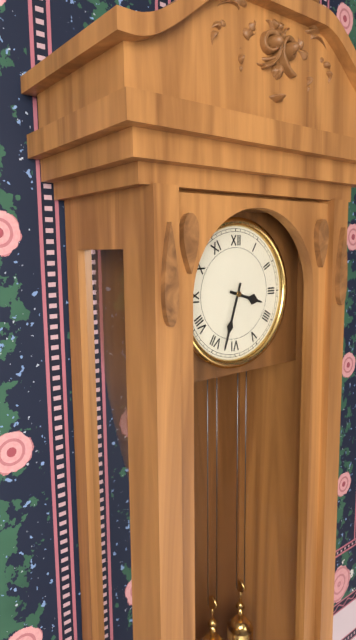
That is **3:33**
